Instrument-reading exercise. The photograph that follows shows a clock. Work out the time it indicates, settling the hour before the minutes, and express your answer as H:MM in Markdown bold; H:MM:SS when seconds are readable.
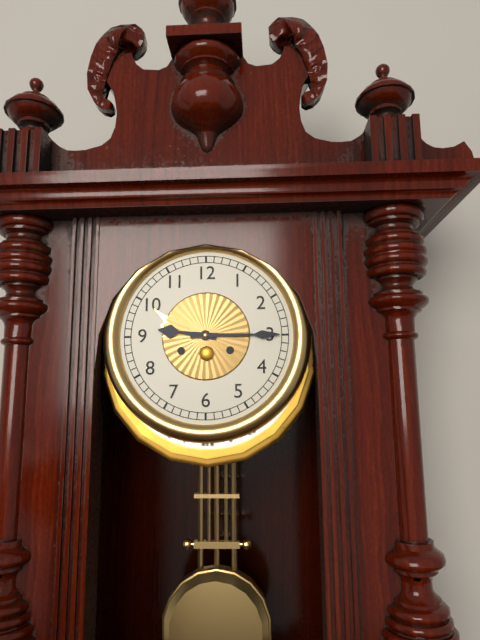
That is **9:15**
